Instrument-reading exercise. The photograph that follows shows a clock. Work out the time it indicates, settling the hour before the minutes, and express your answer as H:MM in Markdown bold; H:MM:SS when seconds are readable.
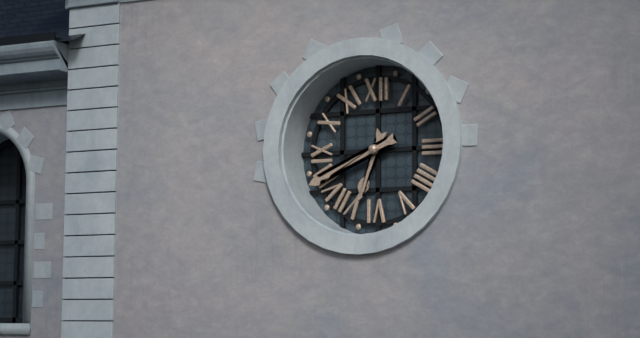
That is **6:41**
